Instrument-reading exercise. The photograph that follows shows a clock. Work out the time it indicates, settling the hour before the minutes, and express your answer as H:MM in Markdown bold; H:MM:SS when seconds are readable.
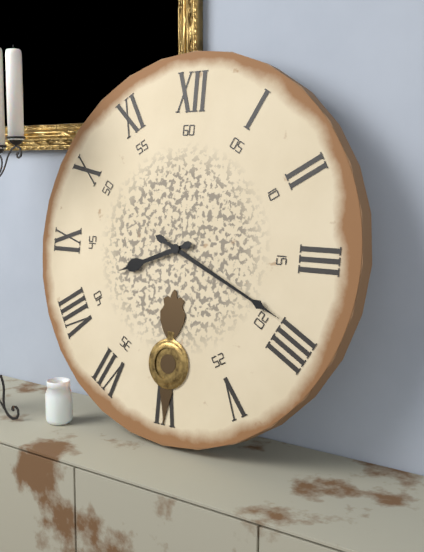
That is **8:19**
